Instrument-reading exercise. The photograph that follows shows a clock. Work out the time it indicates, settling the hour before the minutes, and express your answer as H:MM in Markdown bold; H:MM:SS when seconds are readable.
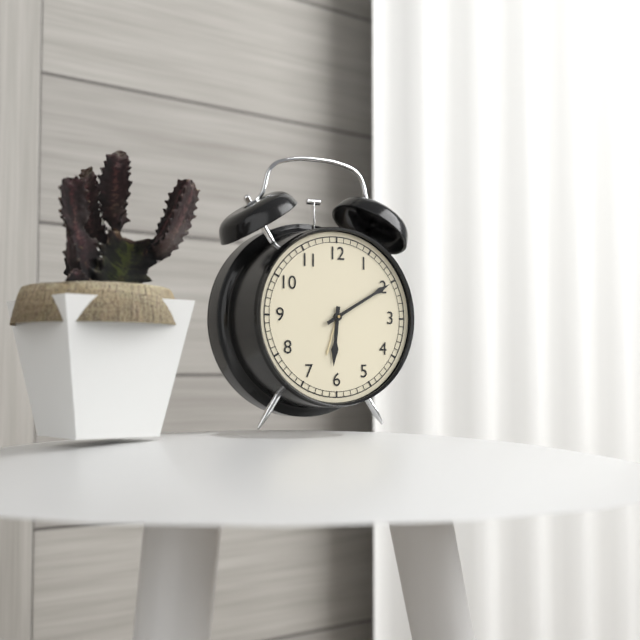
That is **6:10**
